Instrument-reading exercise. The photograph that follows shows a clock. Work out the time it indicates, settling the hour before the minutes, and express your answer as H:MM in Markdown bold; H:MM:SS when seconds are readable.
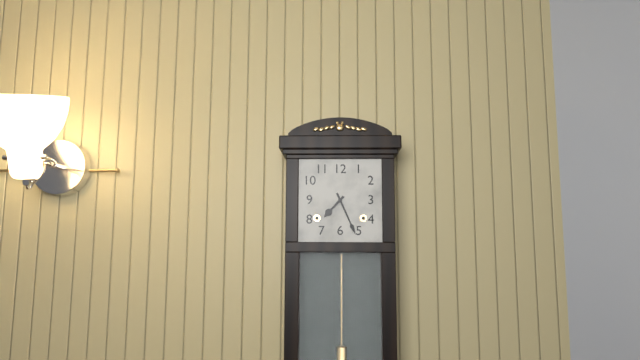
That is **7:26**
